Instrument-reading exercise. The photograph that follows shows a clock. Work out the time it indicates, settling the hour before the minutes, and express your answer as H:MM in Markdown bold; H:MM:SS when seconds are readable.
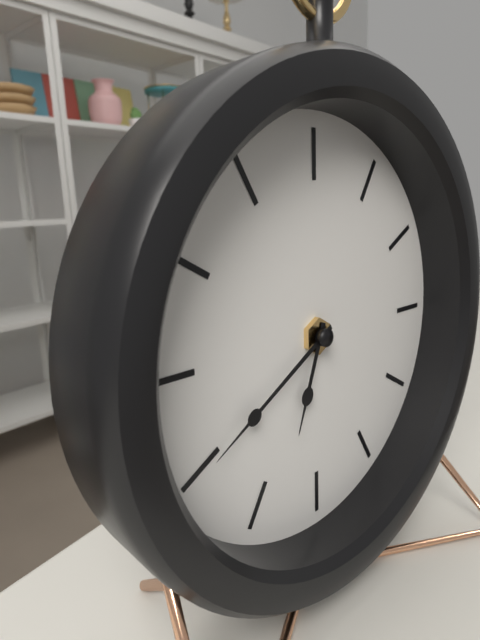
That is **6:40**
